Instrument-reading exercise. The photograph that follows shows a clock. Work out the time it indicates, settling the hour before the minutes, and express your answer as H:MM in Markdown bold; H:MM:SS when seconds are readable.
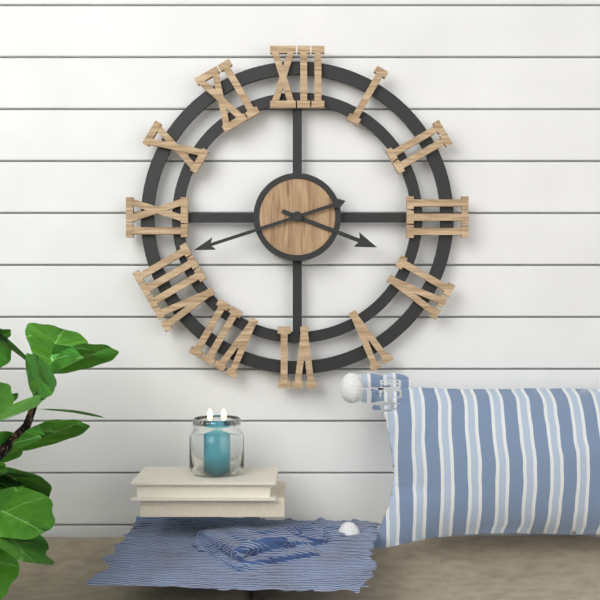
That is **3:42**
